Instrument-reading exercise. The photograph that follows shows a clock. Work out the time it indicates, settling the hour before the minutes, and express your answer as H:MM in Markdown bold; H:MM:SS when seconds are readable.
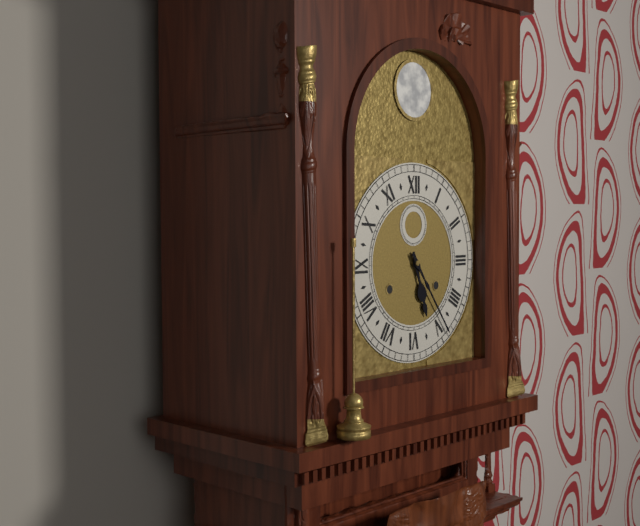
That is **5:24**
